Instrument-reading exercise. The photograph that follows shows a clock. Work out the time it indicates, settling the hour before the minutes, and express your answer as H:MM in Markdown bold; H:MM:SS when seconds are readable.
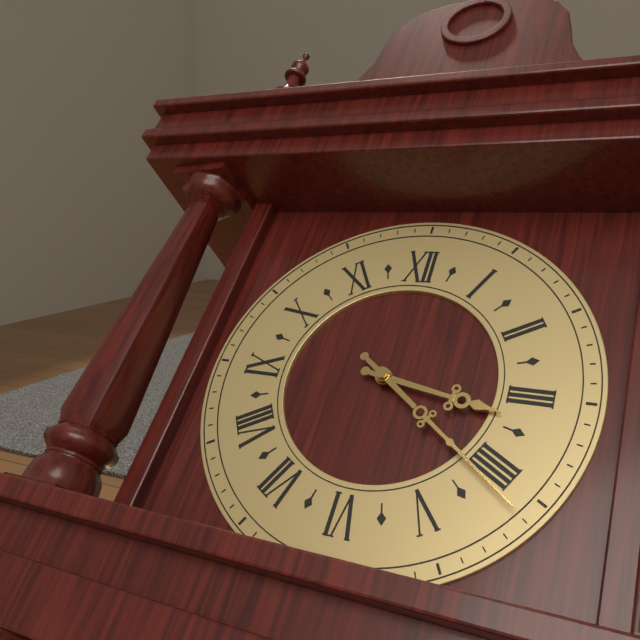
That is **3:21**
